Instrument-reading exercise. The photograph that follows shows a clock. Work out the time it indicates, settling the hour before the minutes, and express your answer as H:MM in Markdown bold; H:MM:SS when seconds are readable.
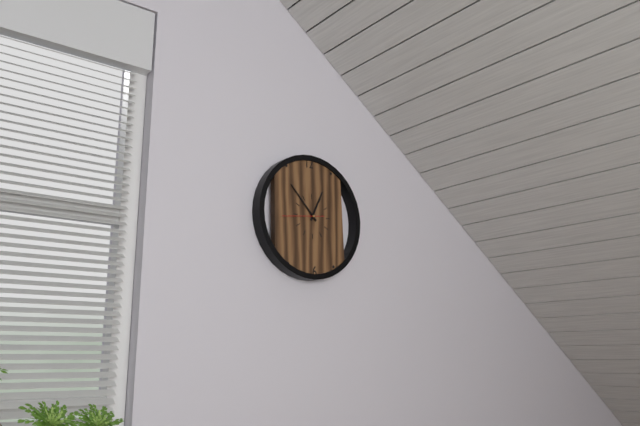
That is **12:53**
